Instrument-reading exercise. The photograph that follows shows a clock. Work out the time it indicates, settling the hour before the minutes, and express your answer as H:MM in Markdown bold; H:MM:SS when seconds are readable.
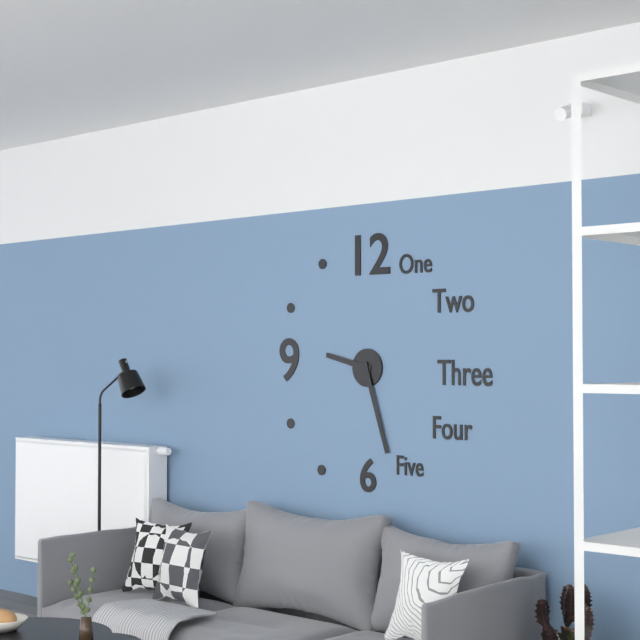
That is **9:27**
